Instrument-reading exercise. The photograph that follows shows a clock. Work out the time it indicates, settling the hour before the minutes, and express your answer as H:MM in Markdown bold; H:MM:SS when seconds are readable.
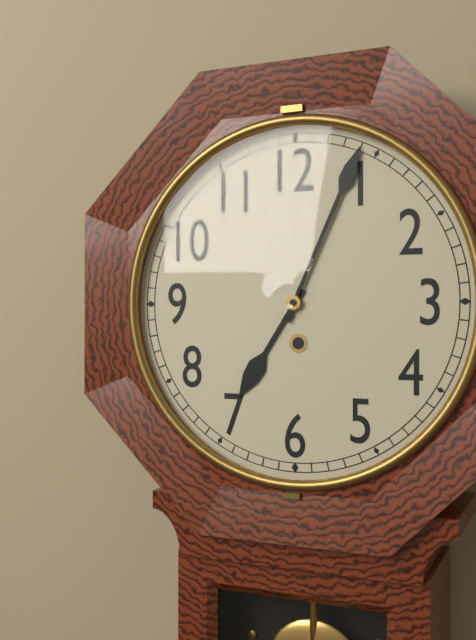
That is **7:04**
